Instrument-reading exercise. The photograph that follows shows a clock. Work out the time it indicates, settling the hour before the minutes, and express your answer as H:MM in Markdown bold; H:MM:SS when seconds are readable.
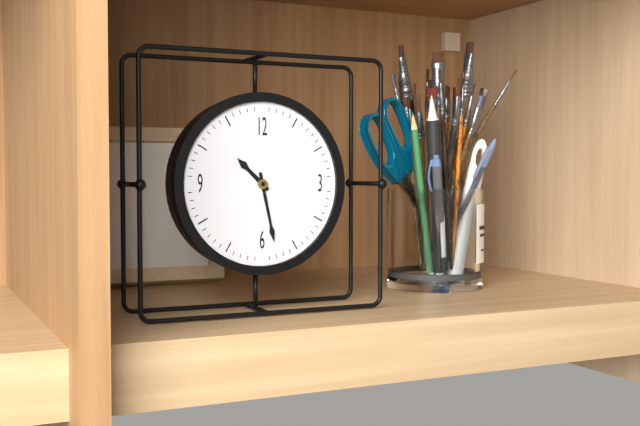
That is **10:28**
